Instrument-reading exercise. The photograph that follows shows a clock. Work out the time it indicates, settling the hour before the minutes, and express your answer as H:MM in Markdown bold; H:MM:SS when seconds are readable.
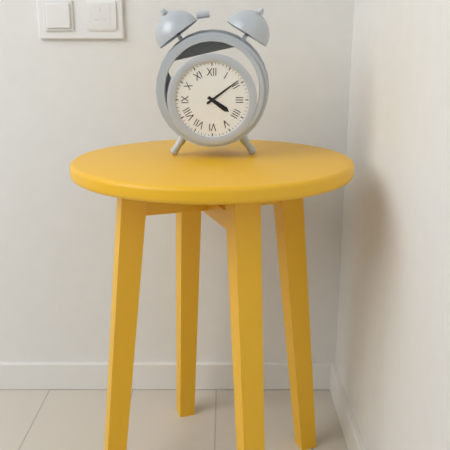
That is **4:09**
